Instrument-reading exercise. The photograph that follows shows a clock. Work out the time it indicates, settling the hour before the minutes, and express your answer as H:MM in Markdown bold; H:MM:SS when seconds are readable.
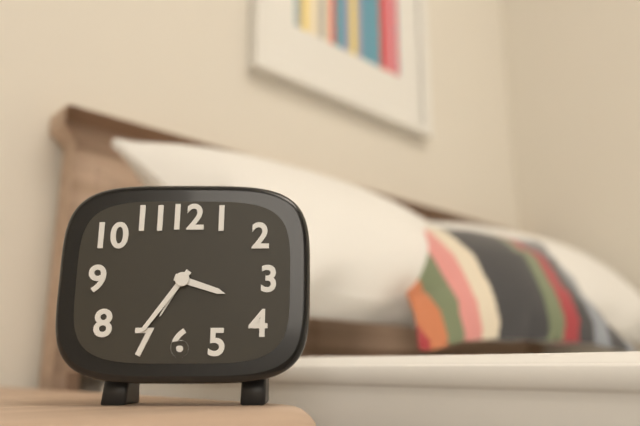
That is **3:36**
